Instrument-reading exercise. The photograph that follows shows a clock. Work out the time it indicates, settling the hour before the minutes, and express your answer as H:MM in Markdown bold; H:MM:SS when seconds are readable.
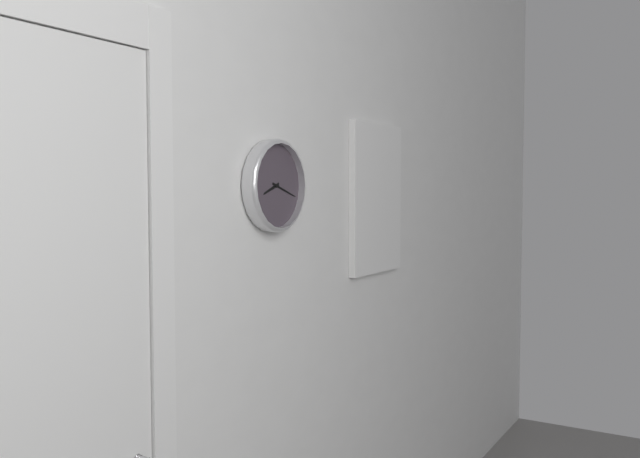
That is **8:18**
